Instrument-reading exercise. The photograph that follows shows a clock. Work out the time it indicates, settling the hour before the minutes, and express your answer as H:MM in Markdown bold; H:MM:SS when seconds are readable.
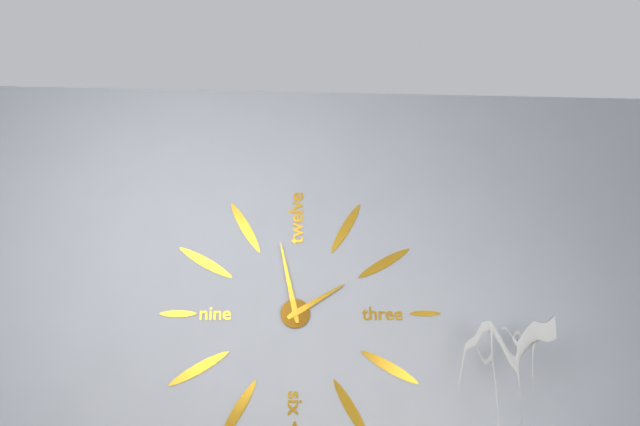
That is **1:58**
